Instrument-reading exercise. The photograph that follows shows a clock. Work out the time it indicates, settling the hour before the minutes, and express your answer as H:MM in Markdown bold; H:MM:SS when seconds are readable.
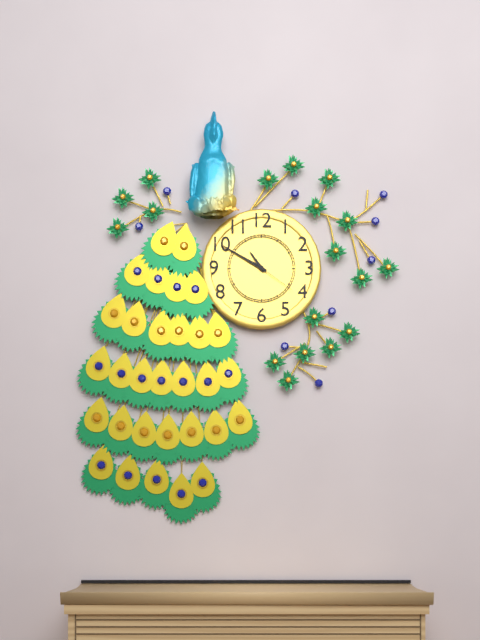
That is **10:50**
